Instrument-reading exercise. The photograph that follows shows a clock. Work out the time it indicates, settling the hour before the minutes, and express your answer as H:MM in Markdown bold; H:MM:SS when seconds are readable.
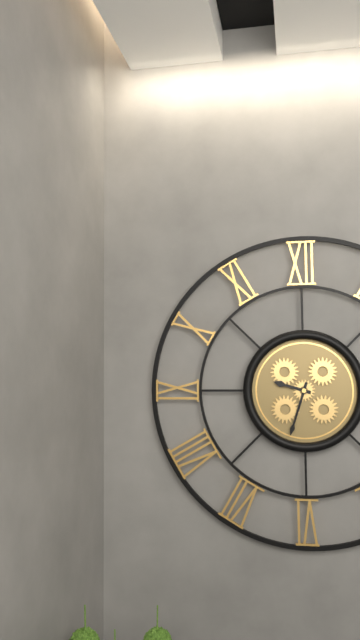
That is **9:33**
